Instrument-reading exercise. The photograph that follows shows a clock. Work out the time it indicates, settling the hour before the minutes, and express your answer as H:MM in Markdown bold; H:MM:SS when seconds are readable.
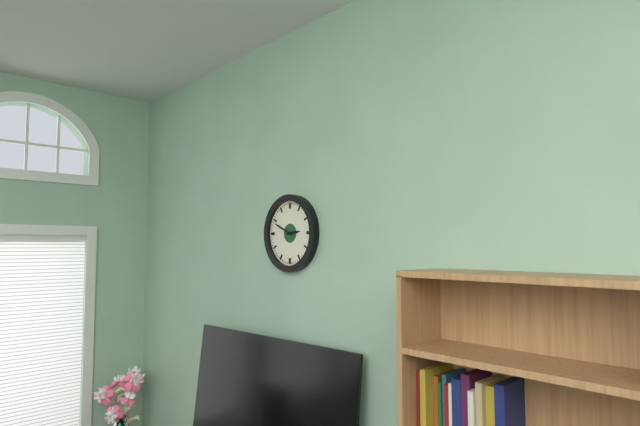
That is **2:49**
